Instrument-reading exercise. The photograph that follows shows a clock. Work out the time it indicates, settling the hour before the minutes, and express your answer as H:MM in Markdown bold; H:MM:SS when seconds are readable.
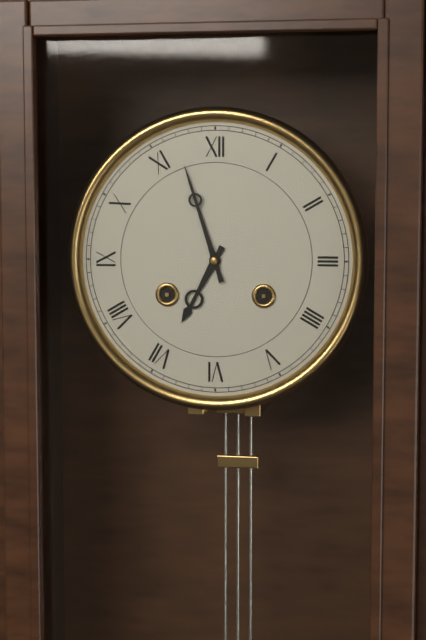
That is **6:57**
